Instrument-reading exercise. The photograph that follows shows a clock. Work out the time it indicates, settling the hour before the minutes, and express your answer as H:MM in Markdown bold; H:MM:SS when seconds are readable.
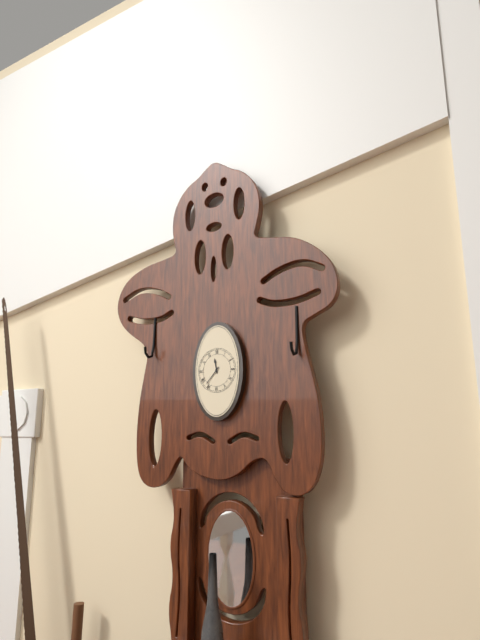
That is **11:37**
